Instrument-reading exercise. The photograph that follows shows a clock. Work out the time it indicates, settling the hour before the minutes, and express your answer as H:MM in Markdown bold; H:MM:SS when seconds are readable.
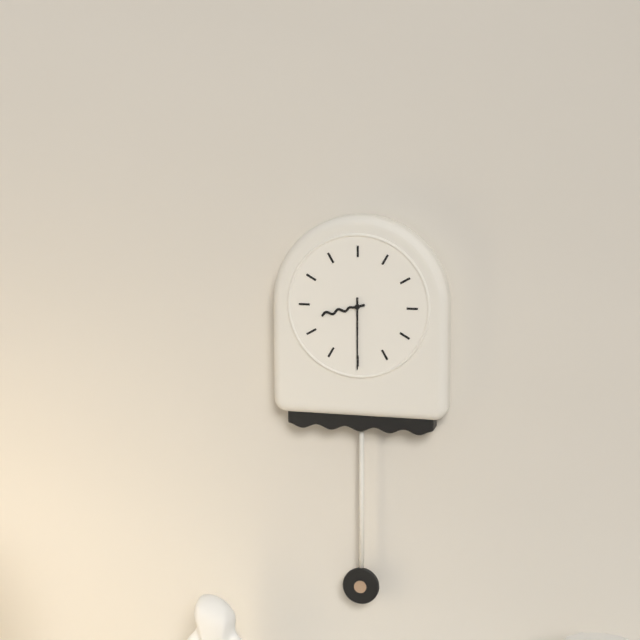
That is **8:30**
